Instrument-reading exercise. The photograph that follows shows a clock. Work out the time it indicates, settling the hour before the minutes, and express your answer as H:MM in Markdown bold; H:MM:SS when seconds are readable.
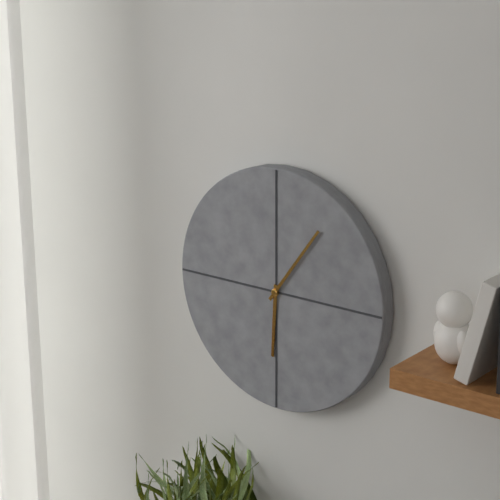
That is **6:06**
